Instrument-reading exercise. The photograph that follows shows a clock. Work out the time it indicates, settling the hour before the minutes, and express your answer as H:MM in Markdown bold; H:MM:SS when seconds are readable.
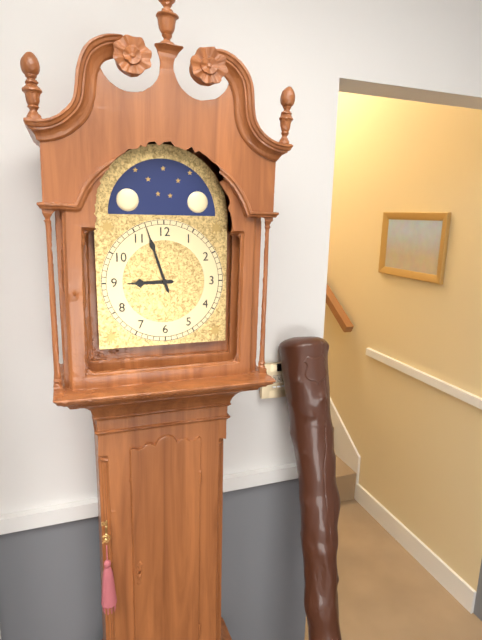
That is **8:57**
